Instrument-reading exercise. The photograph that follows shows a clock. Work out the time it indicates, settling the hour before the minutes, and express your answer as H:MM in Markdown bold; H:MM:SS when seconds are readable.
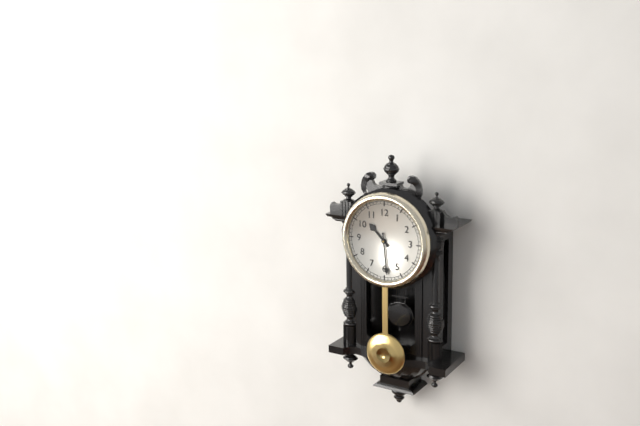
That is **10:29**
